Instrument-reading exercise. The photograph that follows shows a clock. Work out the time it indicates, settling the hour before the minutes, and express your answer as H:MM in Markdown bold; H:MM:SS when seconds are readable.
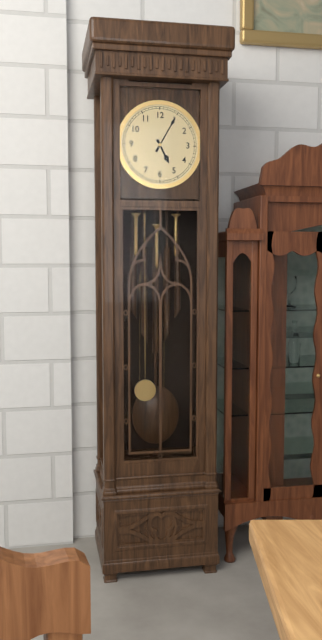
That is **5:05**
